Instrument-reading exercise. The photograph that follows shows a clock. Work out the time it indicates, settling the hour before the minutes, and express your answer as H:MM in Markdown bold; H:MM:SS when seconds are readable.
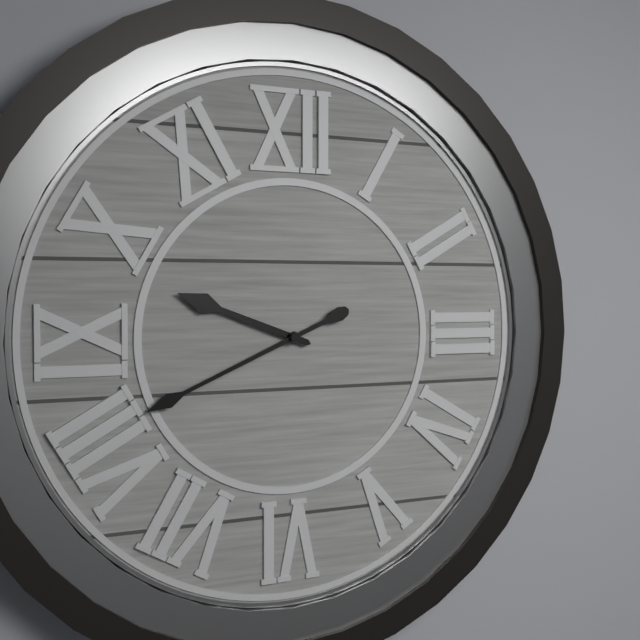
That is **9:41**
